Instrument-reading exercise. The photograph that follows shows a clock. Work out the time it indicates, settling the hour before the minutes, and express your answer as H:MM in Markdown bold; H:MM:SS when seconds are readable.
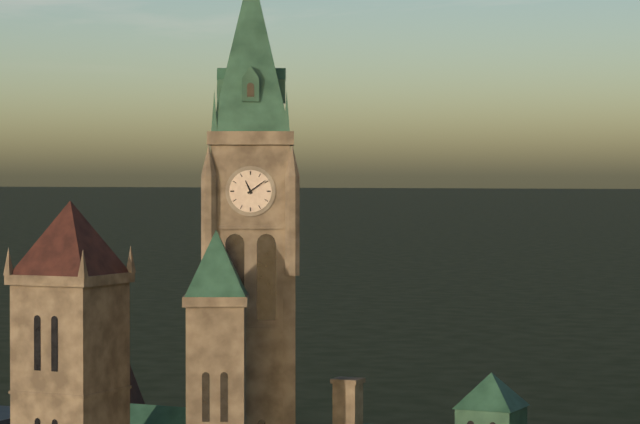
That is **11:09**
